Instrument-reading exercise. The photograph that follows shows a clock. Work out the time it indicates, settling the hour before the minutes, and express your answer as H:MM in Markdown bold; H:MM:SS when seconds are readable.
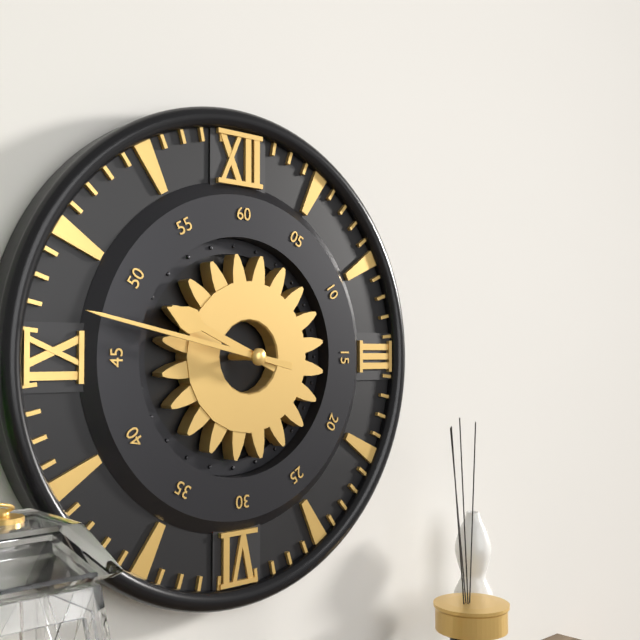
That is **9:47**
